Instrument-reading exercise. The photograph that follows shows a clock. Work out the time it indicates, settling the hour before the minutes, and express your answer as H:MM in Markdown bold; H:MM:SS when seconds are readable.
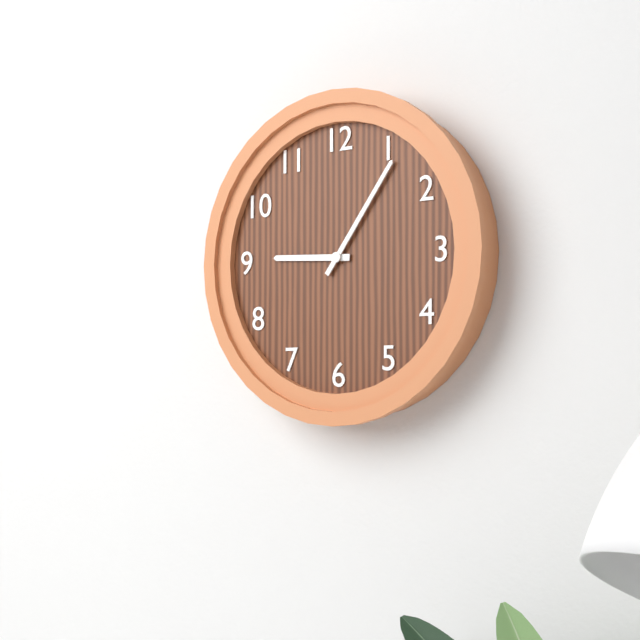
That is **9:06**
